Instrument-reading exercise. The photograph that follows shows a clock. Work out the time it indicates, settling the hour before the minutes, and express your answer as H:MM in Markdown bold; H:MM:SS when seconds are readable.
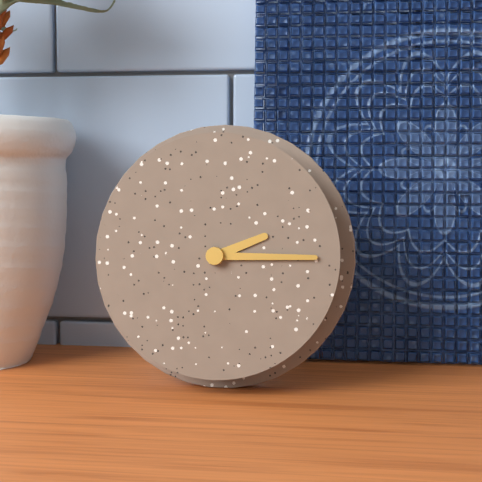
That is **2:15**
